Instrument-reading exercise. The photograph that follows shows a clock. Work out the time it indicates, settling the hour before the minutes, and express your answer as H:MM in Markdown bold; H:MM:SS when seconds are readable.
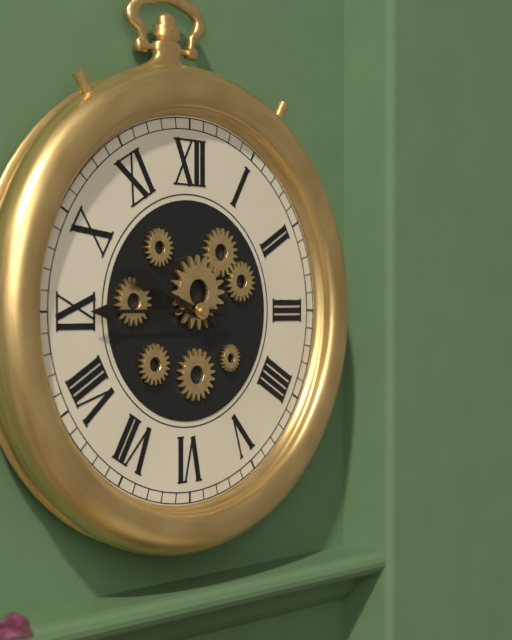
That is **9:45**
